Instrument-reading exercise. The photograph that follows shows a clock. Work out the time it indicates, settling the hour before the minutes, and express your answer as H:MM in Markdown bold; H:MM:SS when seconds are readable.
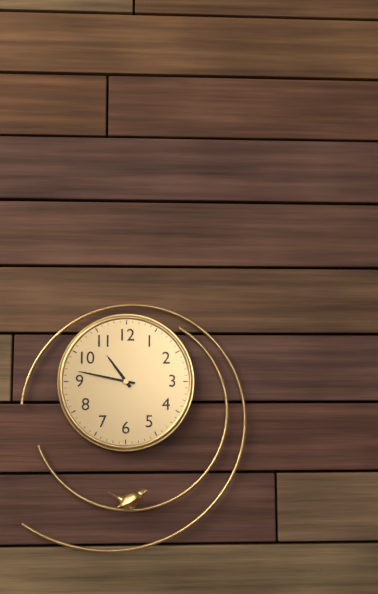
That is **10:47**
